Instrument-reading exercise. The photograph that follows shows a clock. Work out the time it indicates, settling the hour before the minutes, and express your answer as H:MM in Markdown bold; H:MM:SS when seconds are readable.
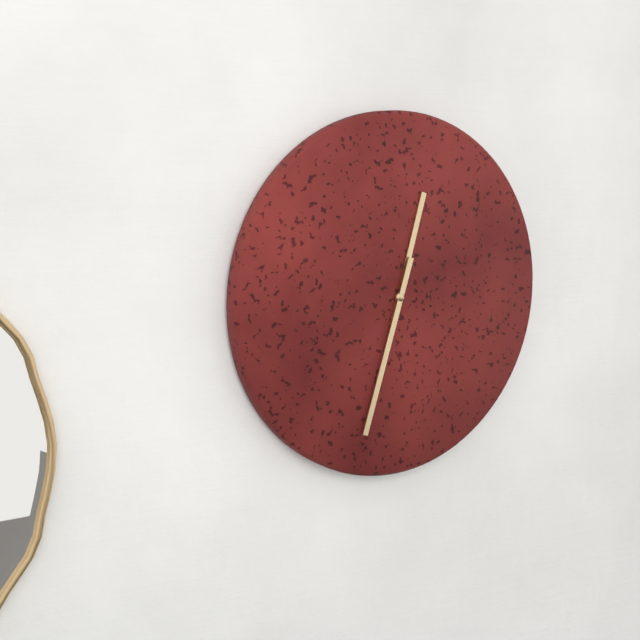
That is **12:33**
